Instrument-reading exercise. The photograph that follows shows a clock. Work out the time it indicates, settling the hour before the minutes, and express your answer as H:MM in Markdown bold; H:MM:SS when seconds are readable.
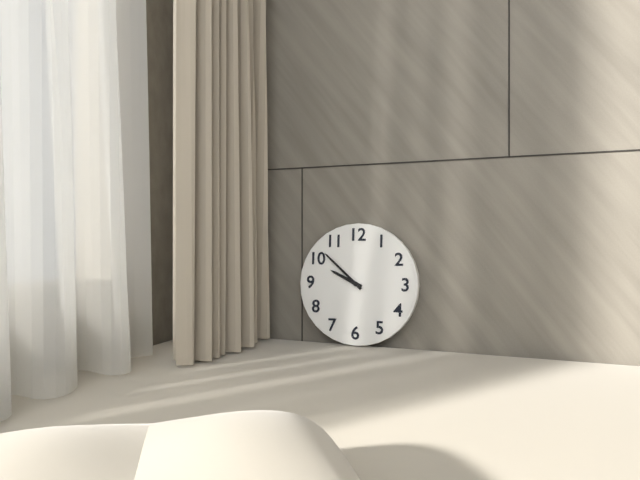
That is **9:52**
